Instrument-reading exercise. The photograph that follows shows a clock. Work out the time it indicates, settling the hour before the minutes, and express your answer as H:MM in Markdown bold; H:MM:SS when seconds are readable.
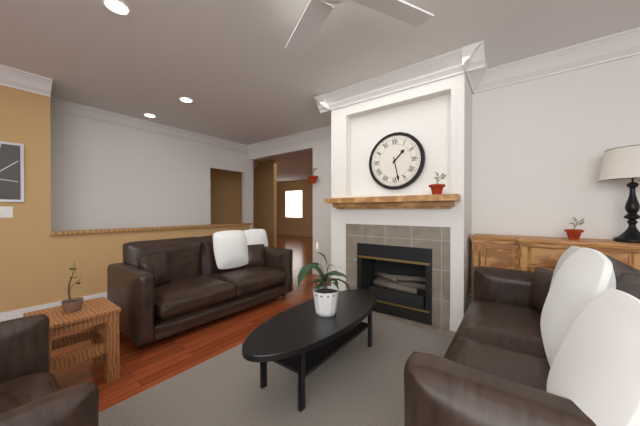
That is **1:28**
